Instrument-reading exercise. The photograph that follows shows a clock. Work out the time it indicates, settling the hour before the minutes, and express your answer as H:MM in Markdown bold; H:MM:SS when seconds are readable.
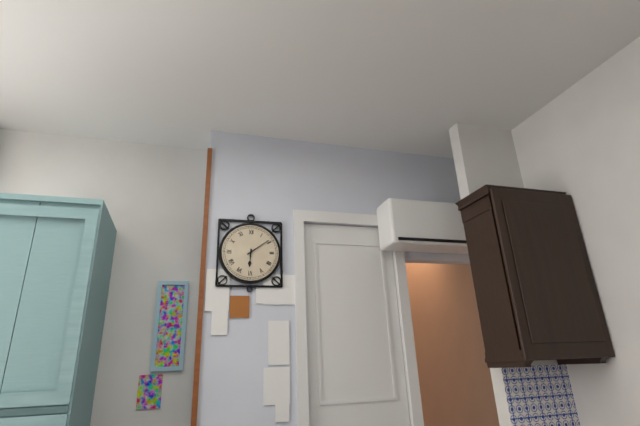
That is **6:09**
